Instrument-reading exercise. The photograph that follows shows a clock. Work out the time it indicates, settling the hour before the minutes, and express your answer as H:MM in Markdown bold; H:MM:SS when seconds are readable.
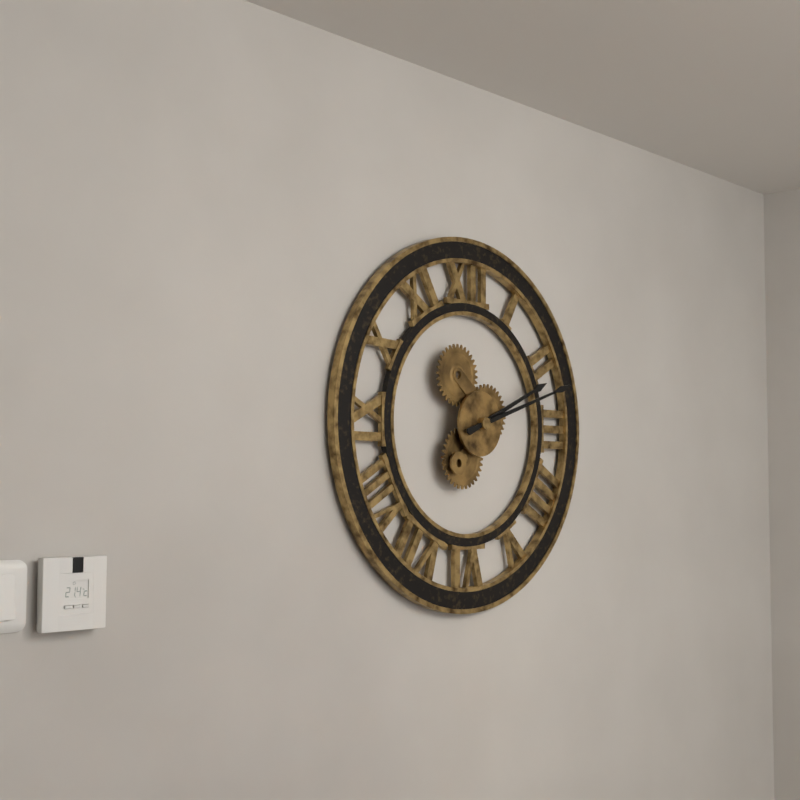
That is **2:12**
